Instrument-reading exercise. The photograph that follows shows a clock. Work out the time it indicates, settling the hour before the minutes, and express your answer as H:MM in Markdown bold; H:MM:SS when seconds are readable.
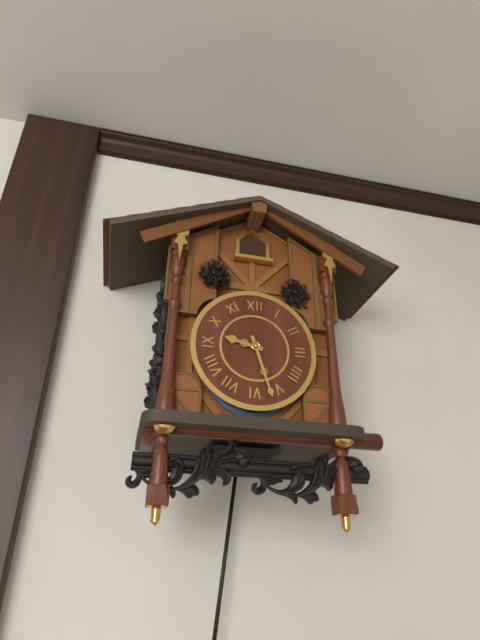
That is **9:27**
